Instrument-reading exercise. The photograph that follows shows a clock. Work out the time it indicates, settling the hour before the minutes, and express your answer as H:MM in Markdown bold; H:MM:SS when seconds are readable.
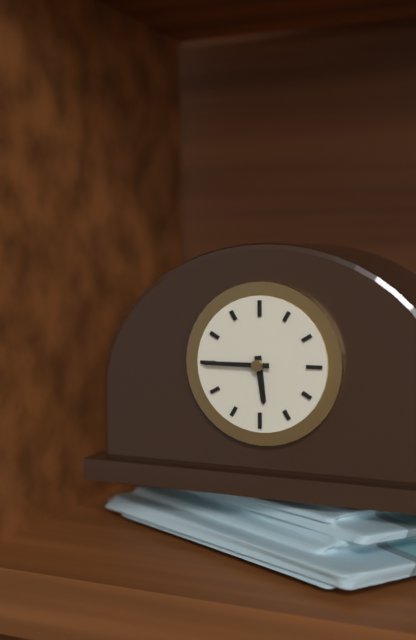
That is **5:45**
